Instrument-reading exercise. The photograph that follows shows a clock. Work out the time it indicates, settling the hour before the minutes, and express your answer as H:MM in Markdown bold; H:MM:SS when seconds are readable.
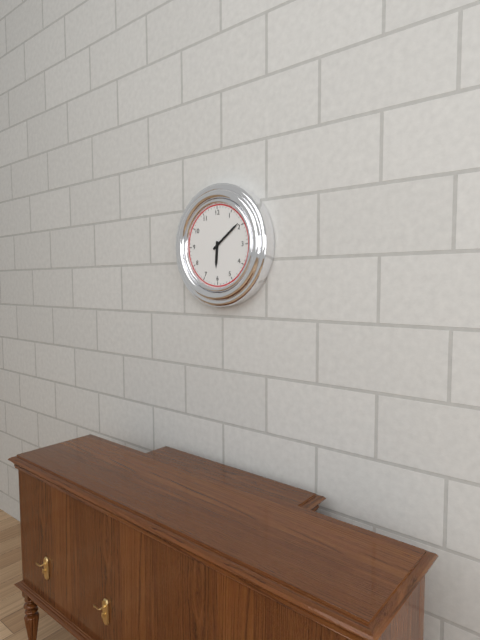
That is **6:09**
